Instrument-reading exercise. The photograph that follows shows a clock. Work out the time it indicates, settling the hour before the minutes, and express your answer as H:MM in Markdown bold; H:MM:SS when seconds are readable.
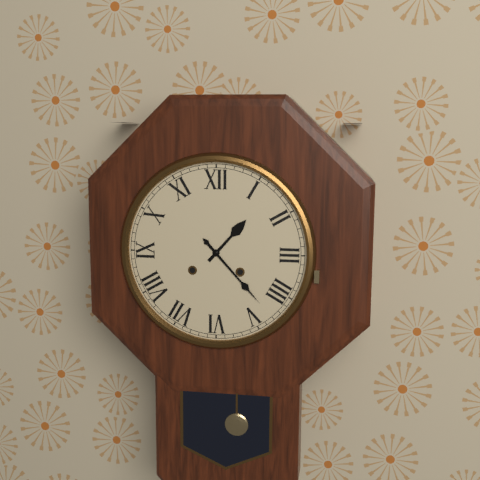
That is **1:23**
